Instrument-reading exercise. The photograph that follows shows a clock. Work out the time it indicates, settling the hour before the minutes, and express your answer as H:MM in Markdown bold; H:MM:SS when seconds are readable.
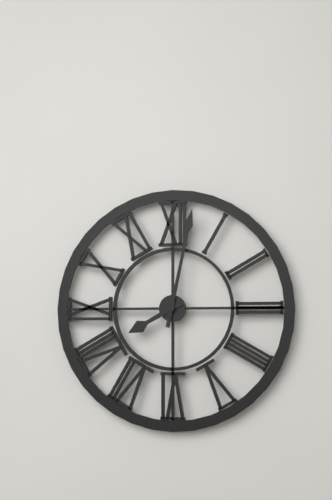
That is **8:02**
